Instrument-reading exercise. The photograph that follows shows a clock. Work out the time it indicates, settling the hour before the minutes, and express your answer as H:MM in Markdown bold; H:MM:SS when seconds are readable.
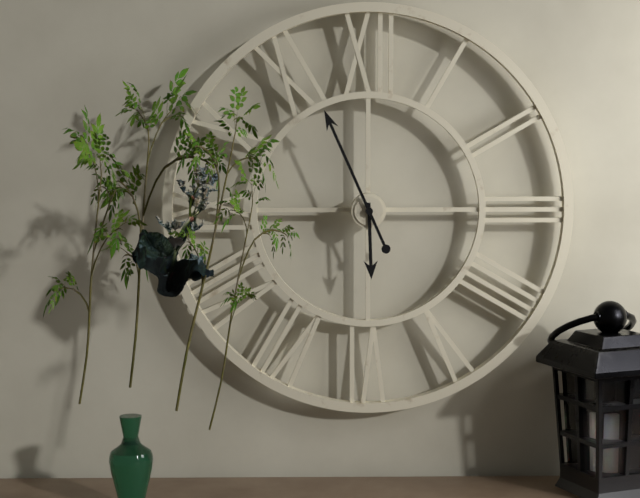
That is **5:56**
